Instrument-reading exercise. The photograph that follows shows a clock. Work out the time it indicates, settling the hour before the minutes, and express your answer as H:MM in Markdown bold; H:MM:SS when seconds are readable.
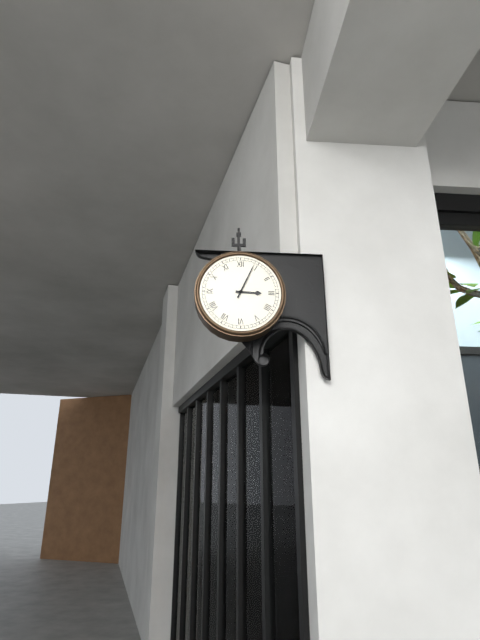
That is **3:04**
